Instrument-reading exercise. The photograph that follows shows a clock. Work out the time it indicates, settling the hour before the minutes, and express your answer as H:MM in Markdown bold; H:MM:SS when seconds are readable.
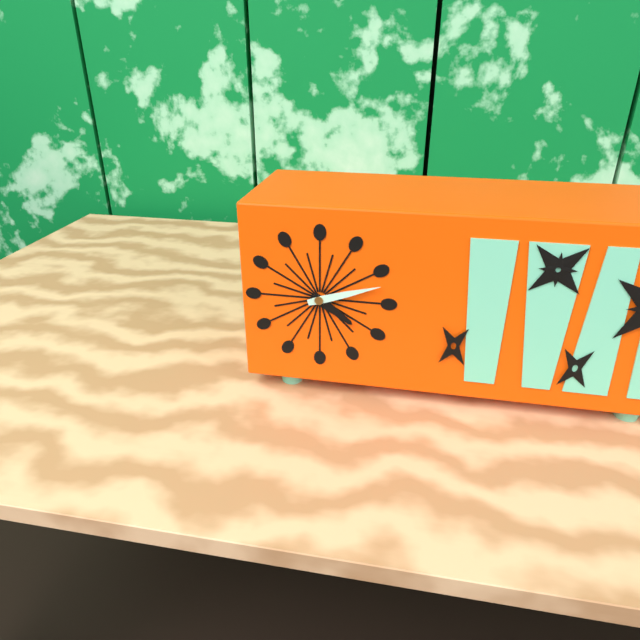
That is **4:12**
